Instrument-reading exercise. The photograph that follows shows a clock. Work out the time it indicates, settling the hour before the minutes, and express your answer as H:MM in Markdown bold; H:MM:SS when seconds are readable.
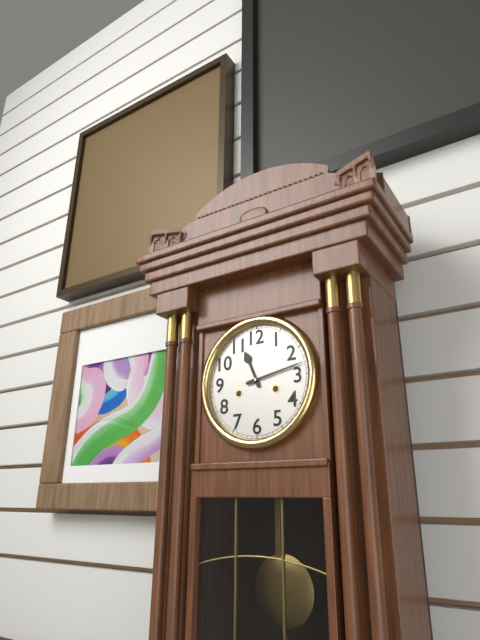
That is **11:13**
